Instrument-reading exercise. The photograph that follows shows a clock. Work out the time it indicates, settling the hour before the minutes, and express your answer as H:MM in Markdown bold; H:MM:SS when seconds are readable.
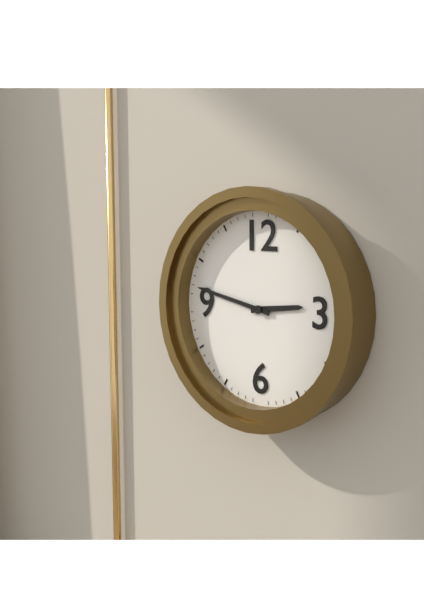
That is **2:47**
